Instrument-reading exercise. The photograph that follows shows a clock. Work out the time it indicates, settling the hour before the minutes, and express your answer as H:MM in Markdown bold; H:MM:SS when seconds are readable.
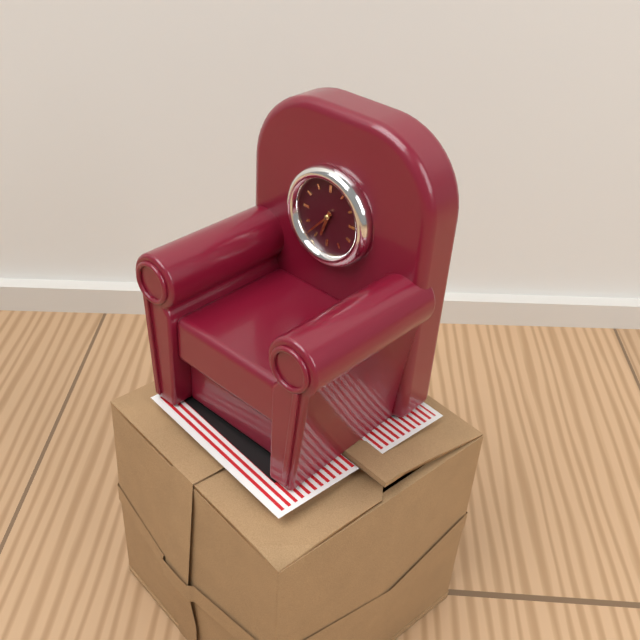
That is **6:37**
